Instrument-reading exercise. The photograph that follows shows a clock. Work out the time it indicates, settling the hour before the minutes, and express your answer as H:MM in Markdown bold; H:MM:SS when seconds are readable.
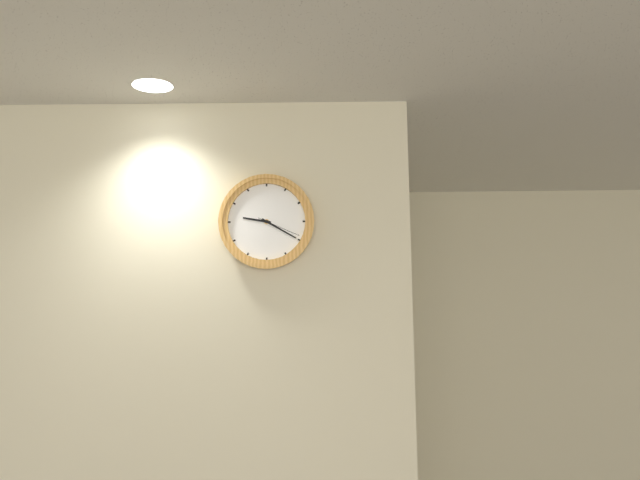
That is **9:20**
